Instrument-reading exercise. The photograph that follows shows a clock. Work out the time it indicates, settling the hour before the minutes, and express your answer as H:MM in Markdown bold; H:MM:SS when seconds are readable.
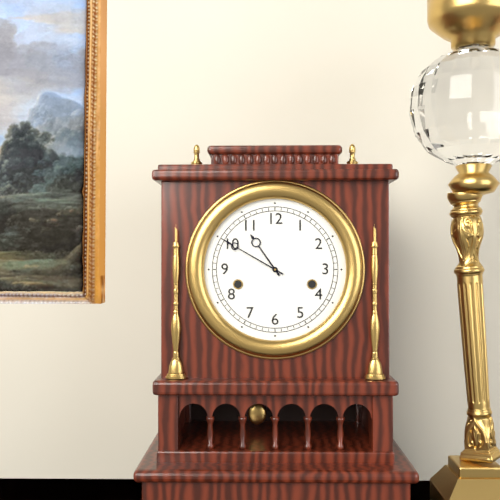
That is **10:50**
